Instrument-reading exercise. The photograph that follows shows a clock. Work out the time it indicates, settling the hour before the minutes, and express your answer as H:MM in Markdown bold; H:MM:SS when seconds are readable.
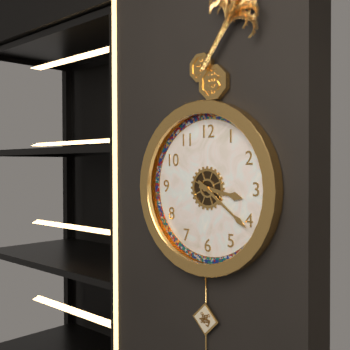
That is **3:21**
